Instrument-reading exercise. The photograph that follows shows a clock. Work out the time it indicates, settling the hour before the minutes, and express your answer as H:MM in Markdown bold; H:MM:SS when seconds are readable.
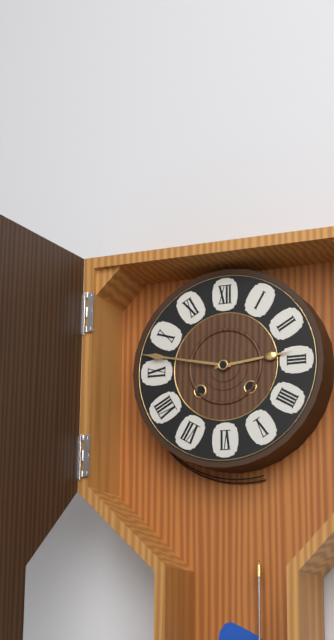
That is **2:47**
